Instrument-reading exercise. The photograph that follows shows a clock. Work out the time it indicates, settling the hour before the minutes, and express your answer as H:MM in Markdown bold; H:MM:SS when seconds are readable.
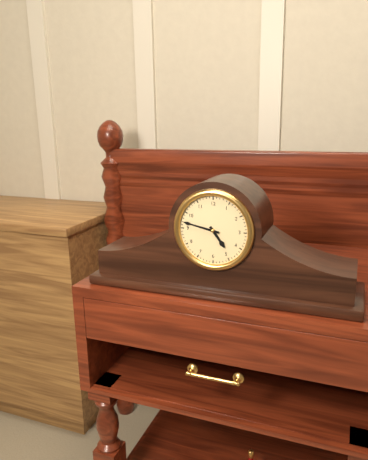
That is **4:47**
